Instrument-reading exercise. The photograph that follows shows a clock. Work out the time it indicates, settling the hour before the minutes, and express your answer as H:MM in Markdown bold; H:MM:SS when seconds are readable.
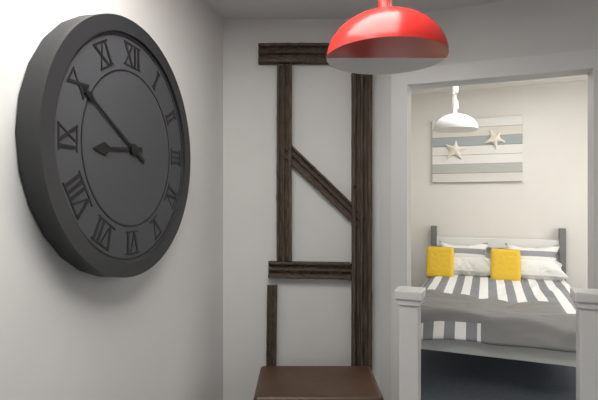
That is **8:50**
